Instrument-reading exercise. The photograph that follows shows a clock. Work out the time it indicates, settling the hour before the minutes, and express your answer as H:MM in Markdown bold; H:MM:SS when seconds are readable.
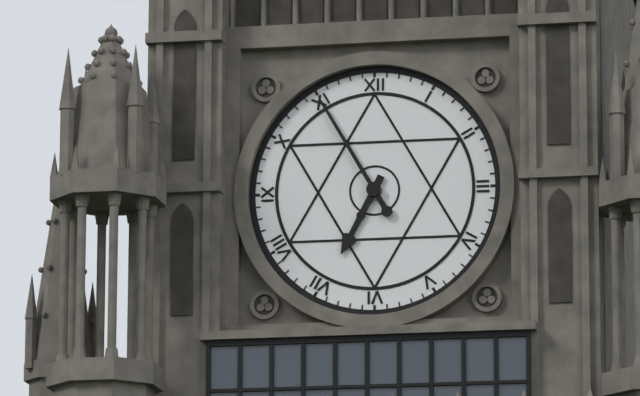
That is **6:55**
